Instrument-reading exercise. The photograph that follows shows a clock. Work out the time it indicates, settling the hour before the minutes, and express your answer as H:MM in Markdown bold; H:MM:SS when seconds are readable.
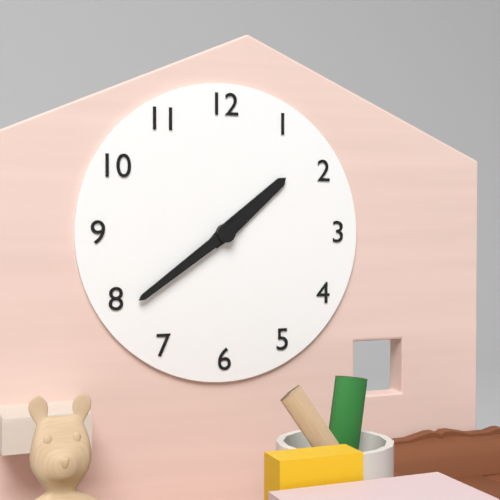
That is **1:39**
